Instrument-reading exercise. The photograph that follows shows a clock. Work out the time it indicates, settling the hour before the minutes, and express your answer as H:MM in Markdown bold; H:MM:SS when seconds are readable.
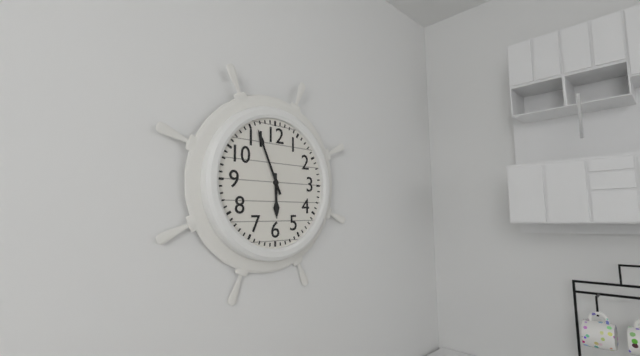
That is **5:56**
